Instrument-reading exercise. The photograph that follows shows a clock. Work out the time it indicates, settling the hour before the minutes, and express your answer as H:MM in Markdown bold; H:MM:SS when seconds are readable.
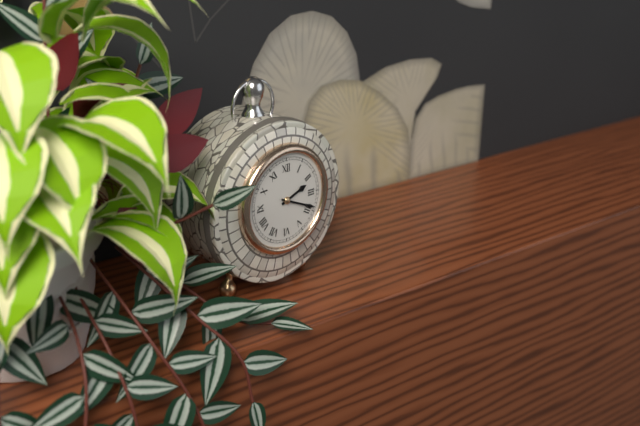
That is **2:19**
